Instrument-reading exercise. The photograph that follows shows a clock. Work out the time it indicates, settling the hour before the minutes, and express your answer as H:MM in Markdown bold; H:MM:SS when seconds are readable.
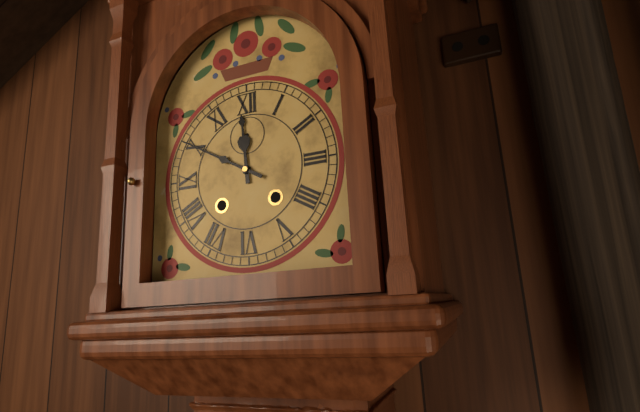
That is **11:50**
